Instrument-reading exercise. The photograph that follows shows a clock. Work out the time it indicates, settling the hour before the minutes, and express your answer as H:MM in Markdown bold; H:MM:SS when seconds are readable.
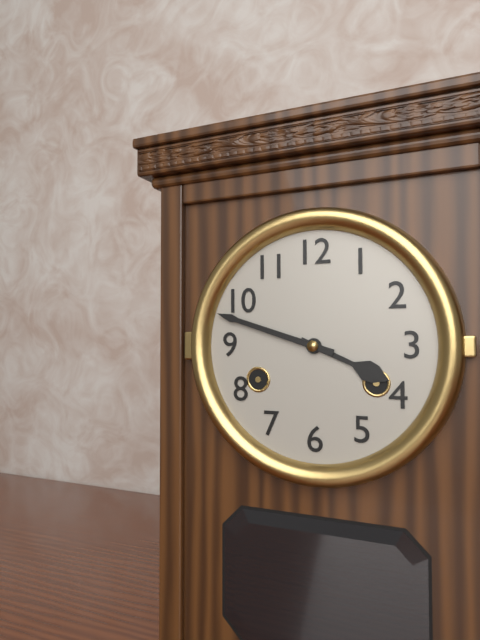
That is **3:48**
